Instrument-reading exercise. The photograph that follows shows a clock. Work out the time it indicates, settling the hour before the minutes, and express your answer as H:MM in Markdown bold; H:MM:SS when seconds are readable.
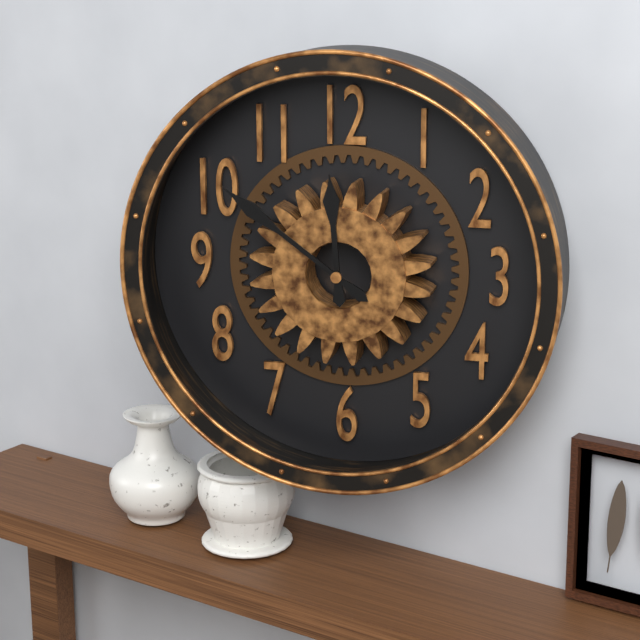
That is **11:51**
